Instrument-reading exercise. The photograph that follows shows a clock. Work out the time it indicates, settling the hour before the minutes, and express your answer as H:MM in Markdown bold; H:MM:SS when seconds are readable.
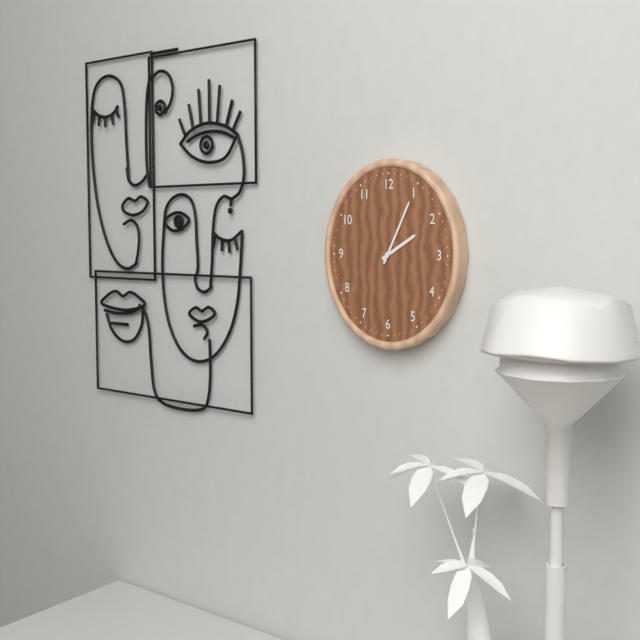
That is **2:05**
